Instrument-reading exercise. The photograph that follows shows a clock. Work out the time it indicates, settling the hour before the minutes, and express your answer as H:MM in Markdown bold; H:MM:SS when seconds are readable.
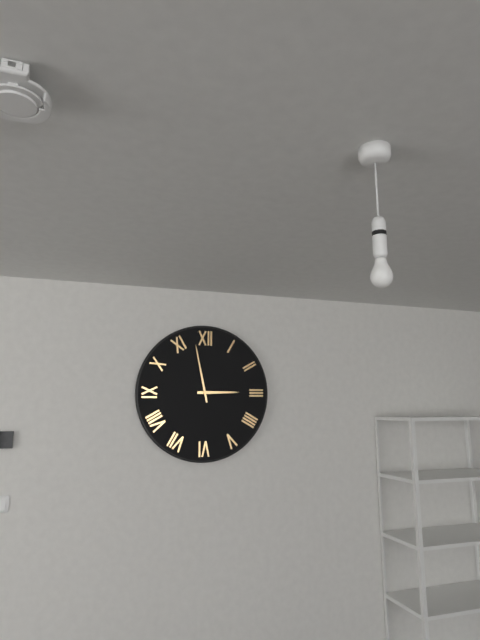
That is **2:58**
